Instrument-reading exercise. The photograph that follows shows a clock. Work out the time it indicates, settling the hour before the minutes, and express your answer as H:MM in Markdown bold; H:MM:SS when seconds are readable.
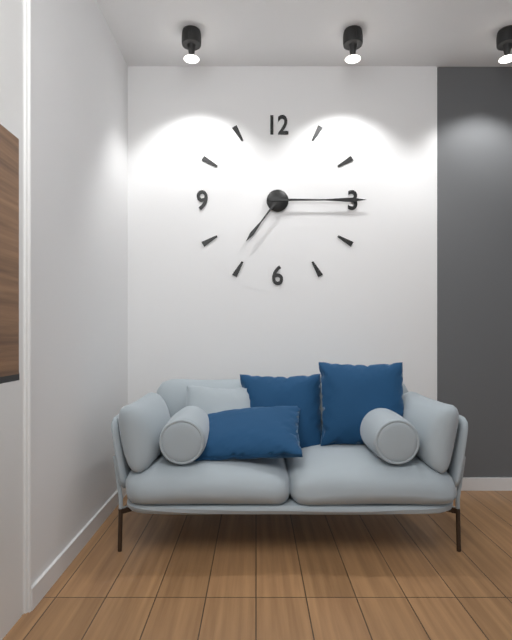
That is **7:15**
